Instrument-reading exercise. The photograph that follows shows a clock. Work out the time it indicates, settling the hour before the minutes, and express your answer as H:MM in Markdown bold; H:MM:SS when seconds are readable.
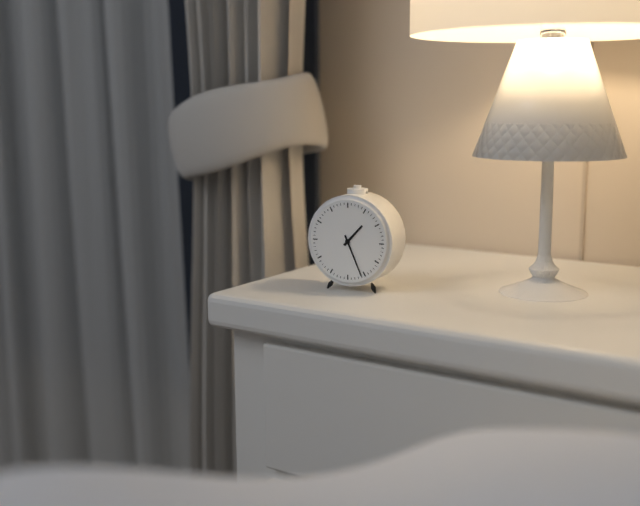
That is **1:26**
